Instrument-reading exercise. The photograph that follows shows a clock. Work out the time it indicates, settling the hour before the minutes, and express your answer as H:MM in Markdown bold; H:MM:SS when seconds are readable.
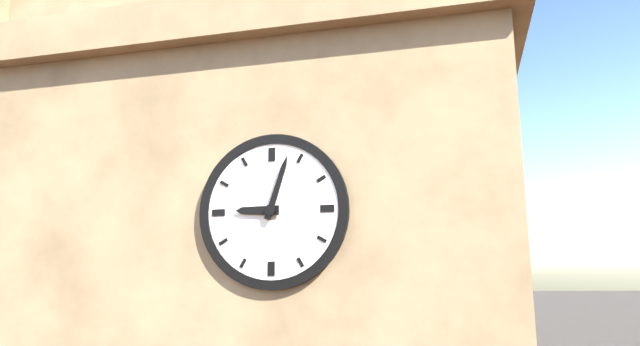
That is **9:03**
